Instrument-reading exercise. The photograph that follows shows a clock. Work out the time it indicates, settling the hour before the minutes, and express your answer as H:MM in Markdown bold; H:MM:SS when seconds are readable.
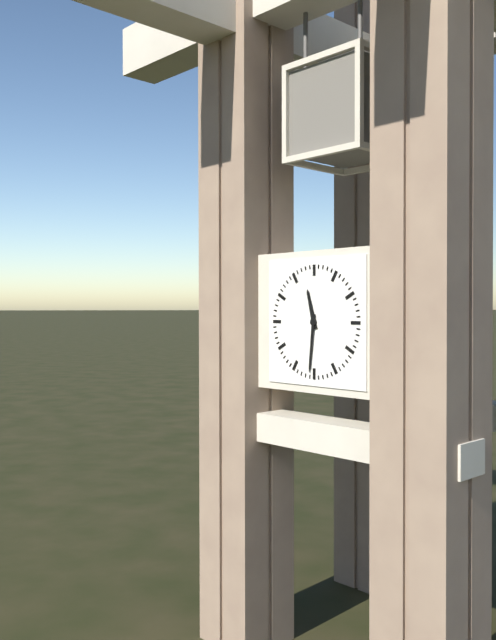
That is **11:31**
